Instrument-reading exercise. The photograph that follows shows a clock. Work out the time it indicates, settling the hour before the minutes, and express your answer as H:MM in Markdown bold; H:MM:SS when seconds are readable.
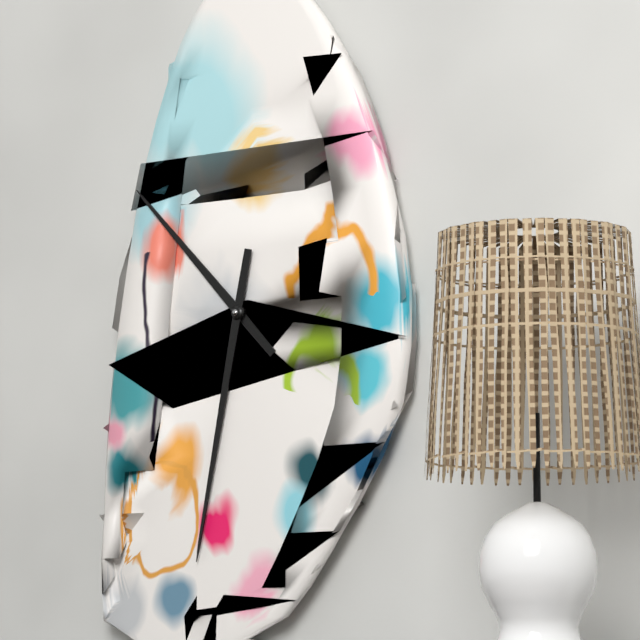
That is **10:32**
